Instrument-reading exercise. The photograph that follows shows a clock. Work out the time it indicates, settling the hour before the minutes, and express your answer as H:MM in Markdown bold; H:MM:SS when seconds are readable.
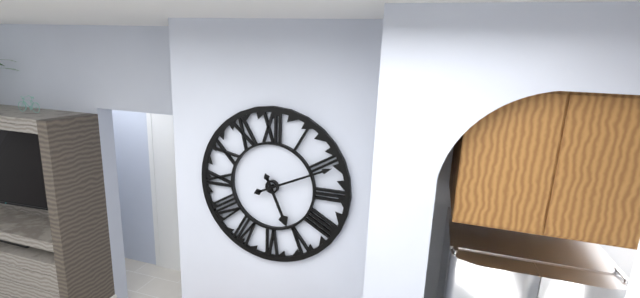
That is **5:11**
